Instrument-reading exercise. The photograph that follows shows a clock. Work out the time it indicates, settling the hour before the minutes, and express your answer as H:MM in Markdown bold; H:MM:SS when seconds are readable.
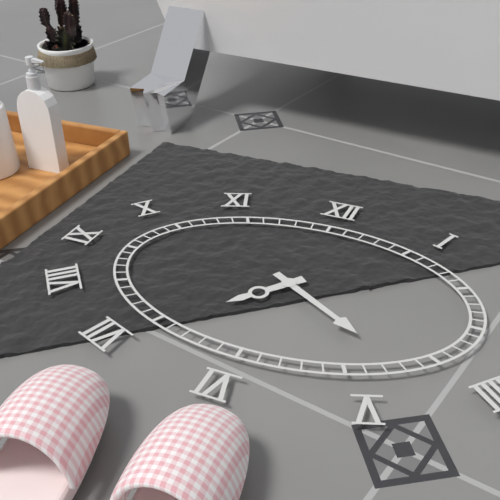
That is **7:20**
